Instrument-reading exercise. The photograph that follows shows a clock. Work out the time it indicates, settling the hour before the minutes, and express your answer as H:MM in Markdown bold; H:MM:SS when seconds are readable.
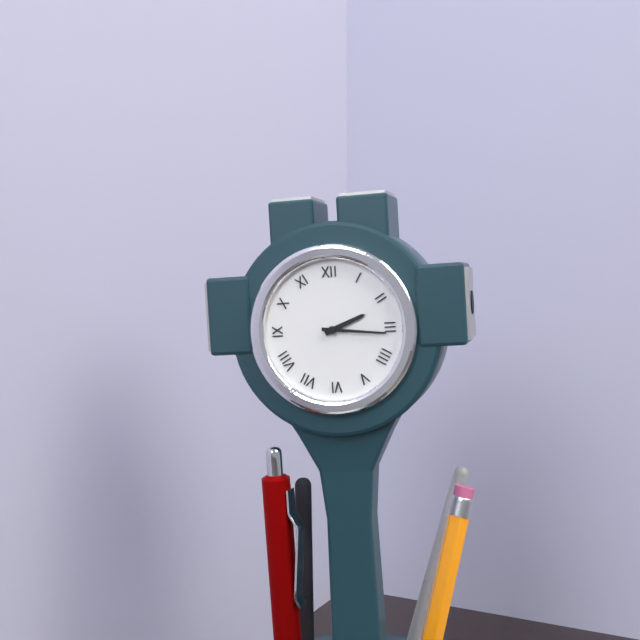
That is **2:16**
